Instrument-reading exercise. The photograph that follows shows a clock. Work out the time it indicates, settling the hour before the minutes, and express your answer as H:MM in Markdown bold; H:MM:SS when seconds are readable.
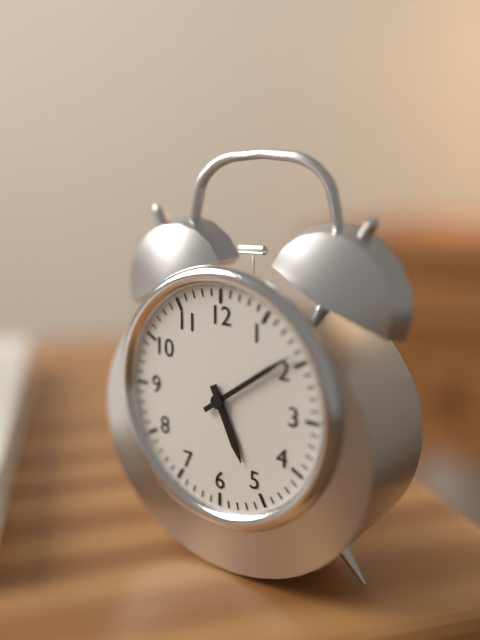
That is **5:09**
